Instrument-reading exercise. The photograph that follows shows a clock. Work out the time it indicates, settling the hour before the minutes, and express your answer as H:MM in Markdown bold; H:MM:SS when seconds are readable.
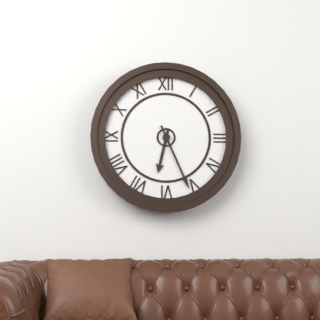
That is **6:26**
